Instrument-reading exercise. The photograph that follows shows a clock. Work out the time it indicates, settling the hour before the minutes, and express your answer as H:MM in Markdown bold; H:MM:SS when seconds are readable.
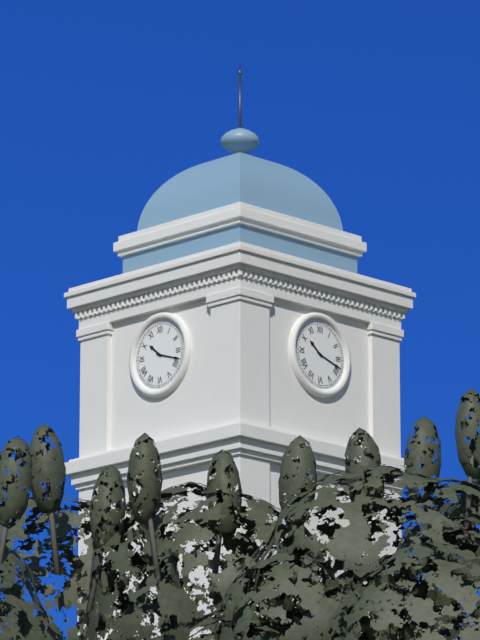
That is **10:18**
